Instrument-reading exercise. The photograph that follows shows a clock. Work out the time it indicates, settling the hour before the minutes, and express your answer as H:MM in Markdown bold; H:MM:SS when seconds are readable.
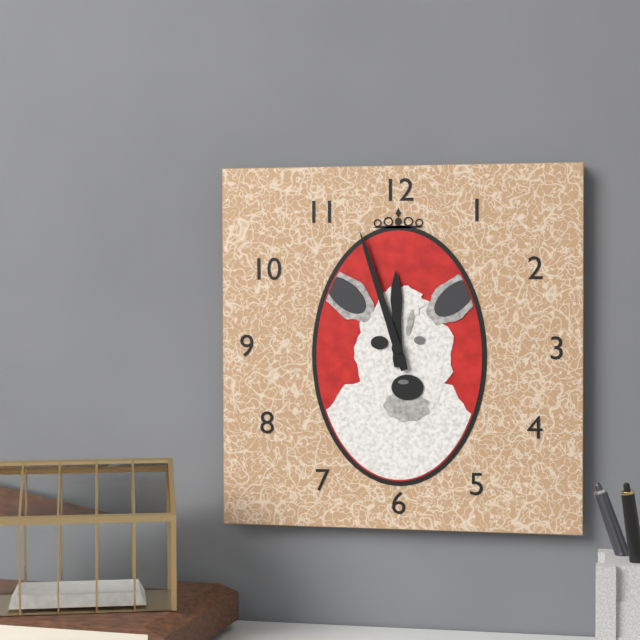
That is **11:57**
